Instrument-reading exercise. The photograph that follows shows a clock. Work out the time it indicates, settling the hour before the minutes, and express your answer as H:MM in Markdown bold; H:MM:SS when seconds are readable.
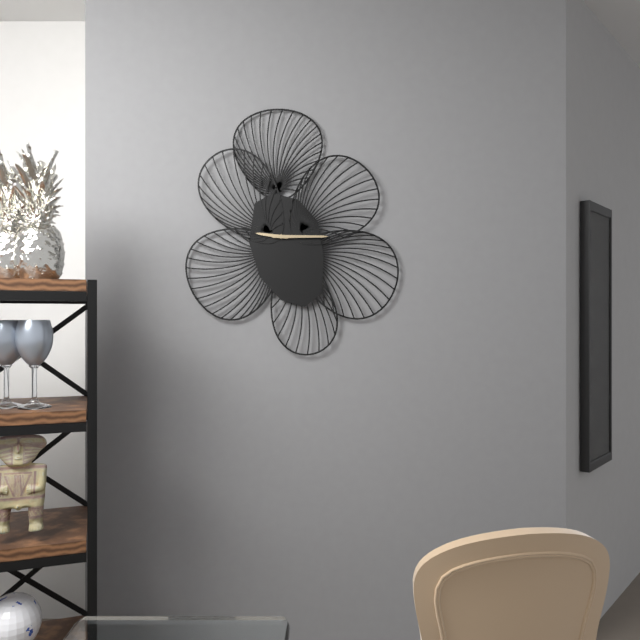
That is **9:15**
